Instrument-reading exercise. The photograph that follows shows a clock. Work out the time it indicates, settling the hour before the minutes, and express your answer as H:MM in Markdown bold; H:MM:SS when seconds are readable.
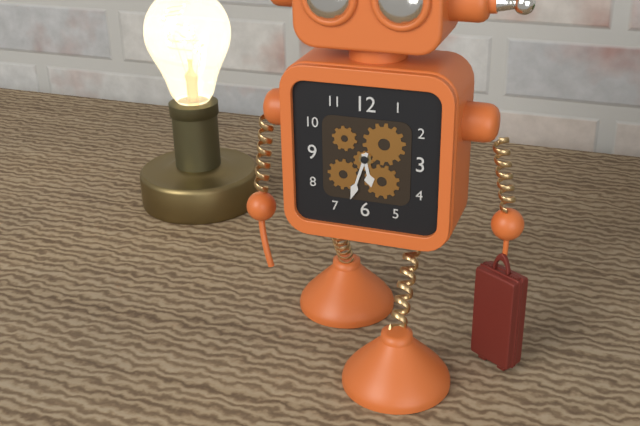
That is **5:33**
